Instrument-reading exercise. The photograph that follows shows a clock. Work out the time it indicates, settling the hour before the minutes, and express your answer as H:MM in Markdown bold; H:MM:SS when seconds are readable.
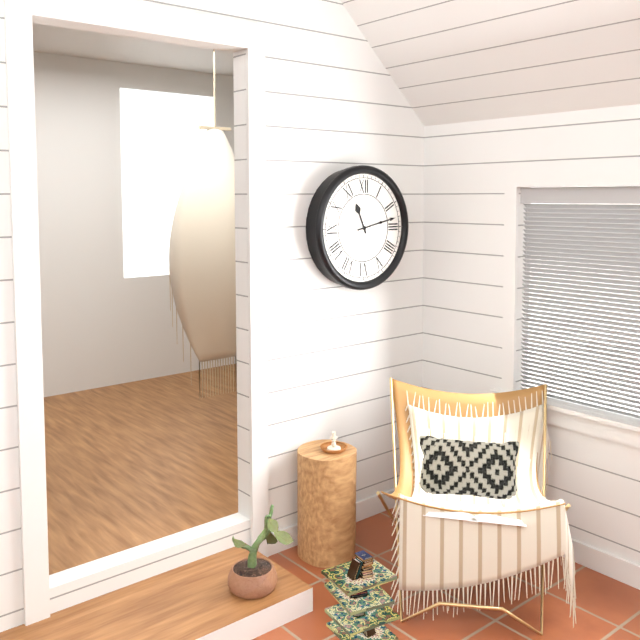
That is **11:13**
